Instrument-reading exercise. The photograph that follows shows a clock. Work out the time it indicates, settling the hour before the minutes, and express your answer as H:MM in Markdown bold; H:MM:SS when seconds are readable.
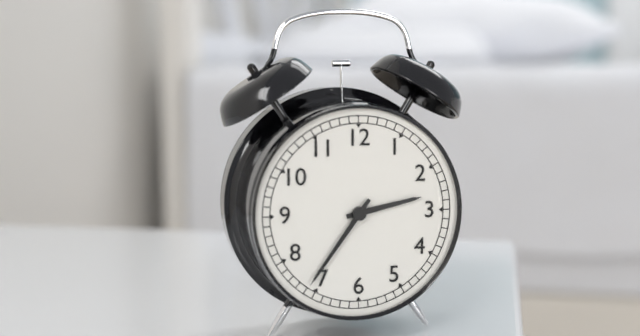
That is **2:36**
